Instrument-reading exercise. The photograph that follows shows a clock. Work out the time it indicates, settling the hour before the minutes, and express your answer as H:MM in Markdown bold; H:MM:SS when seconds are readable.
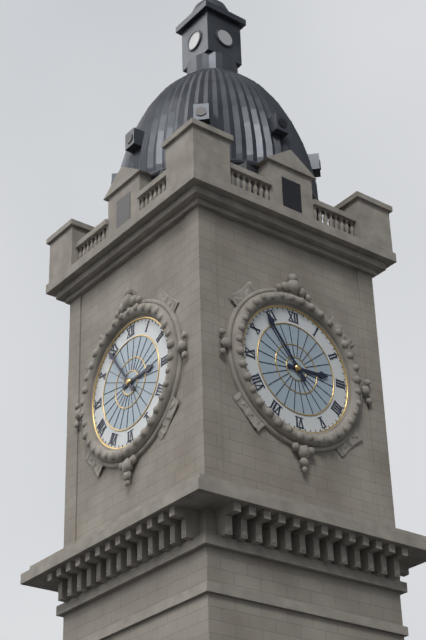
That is **2:54**
